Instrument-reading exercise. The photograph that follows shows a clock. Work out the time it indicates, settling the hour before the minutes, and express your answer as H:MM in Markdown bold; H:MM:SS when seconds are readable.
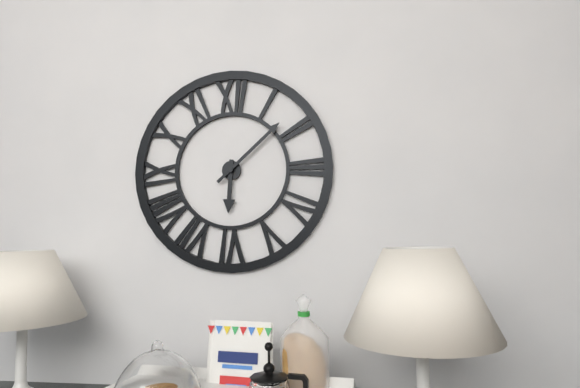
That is **6:08**
